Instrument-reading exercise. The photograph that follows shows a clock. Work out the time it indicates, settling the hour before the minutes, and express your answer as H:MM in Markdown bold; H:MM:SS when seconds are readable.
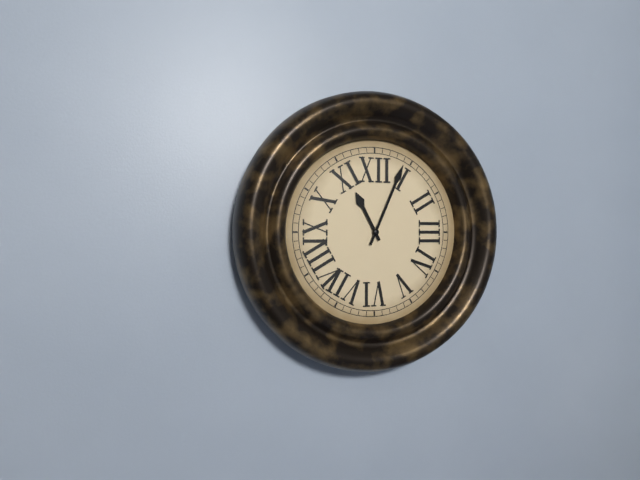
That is **11:04**
